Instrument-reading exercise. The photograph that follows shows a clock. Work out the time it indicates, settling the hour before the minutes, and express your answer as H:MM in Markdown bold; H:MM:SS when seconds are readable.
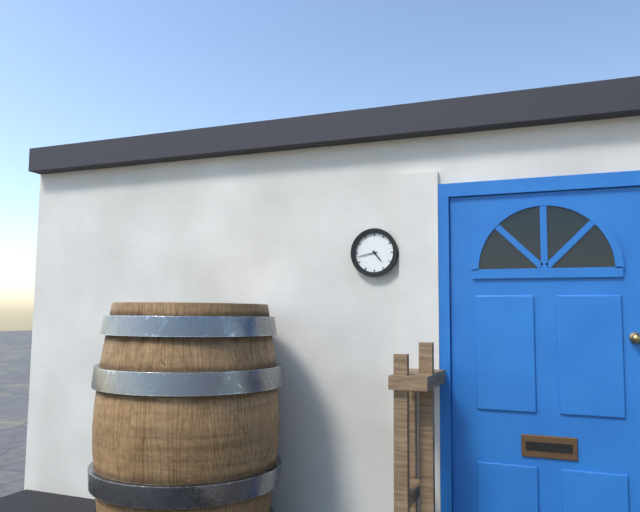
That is **4:43**
